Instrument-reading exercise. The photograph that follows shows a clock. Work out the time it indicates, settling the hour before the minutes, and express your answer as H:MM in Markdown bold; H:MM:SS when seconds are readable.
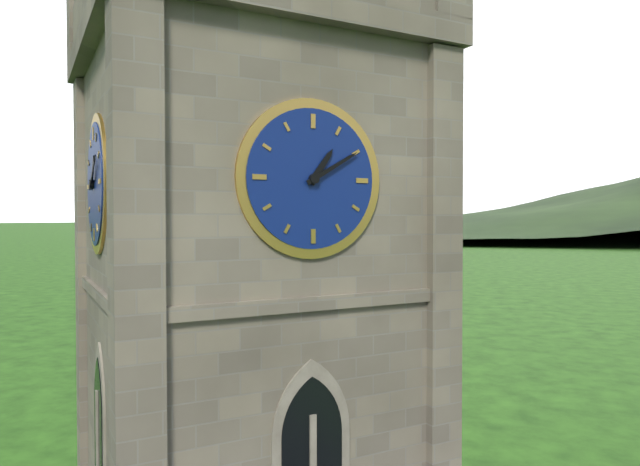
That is **1:10**
